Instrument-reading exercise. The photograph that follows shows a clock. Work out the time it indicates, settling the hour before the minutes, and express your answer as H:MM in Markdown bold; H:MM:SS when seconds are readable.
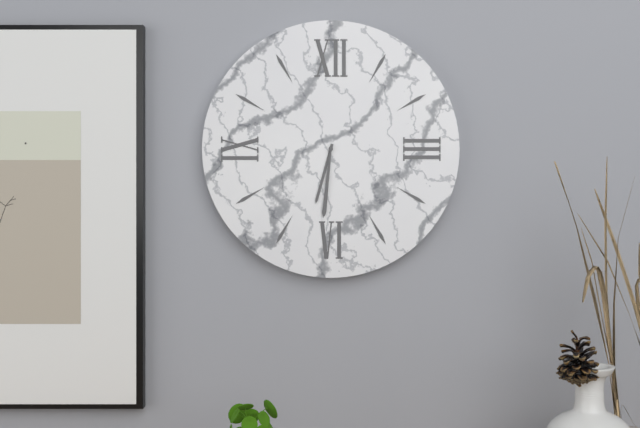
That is **6:31**
